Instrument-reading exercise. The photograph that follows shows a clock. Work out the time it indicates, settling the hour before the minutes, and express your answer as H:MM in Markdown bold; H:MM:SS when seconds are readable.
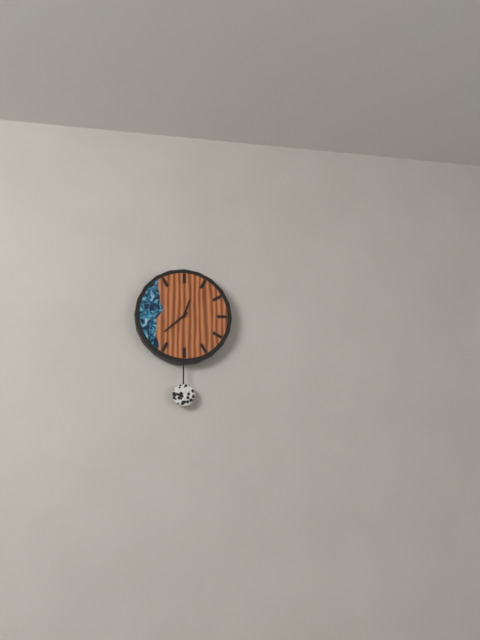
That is **12:38**
